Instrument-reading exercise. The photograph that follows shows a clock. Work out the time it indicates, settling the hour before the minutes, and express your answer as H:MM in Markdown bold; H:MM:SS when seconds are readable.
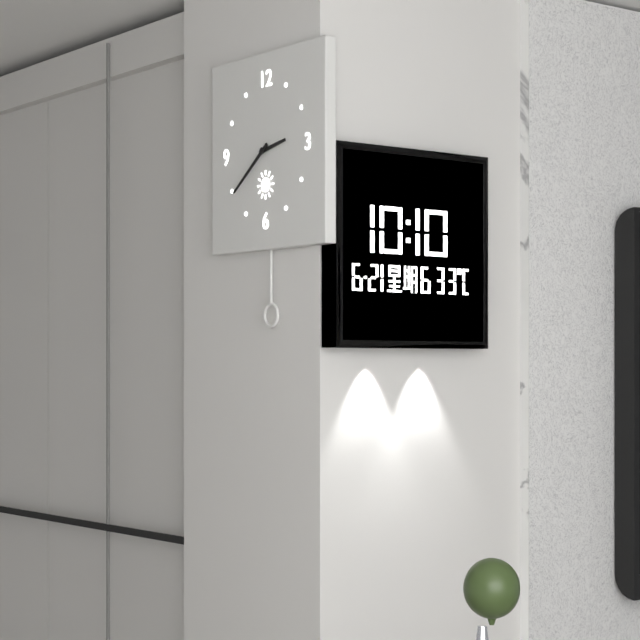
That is **2:39**
